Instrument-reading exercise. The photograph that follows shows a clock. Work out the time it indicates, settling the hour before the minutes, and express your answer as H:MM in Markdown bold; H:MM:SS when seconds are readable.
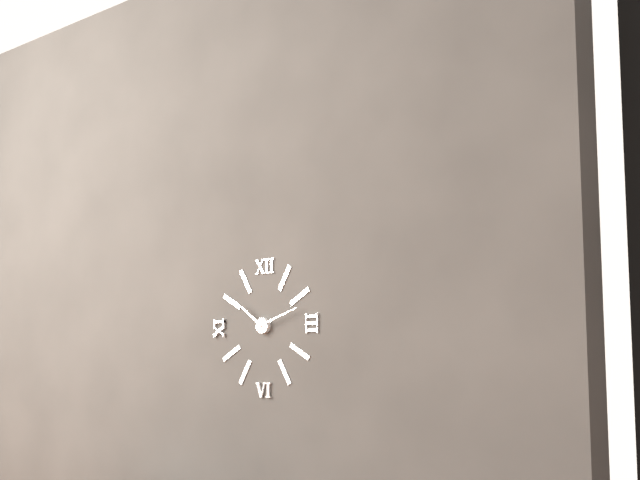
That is **10:12**
